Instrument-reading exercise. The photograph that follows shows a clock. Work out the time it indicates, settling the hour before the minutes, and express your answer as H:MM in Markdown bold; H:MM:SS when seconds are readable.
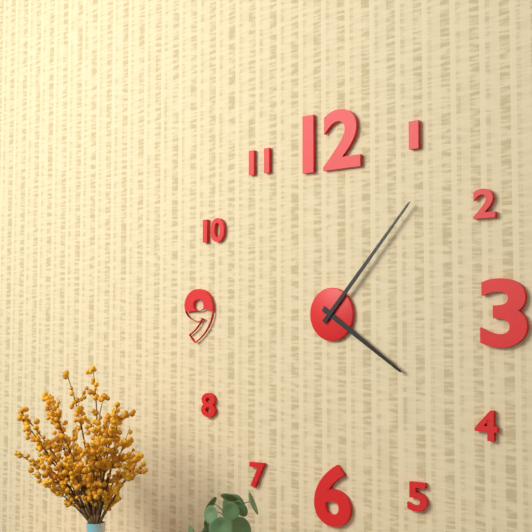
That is **4:07**
